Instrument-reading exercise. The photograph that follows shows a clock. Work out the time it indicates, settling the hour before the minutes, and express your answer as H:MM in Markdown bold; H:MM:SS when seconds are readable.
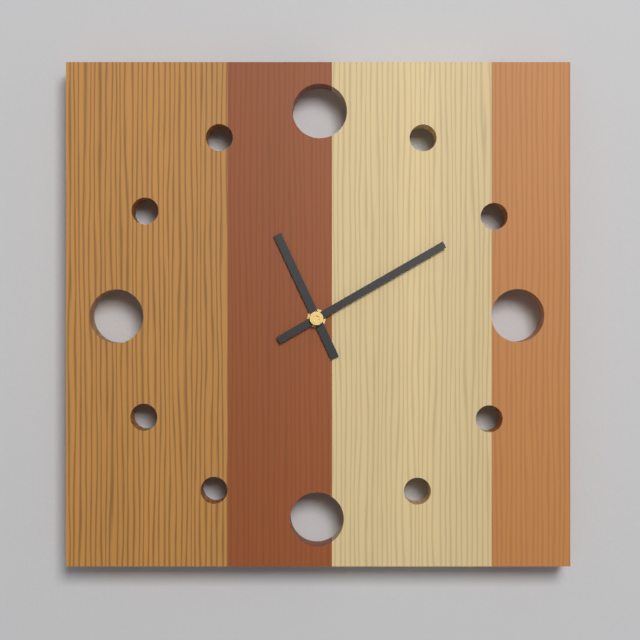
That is **11:10**
